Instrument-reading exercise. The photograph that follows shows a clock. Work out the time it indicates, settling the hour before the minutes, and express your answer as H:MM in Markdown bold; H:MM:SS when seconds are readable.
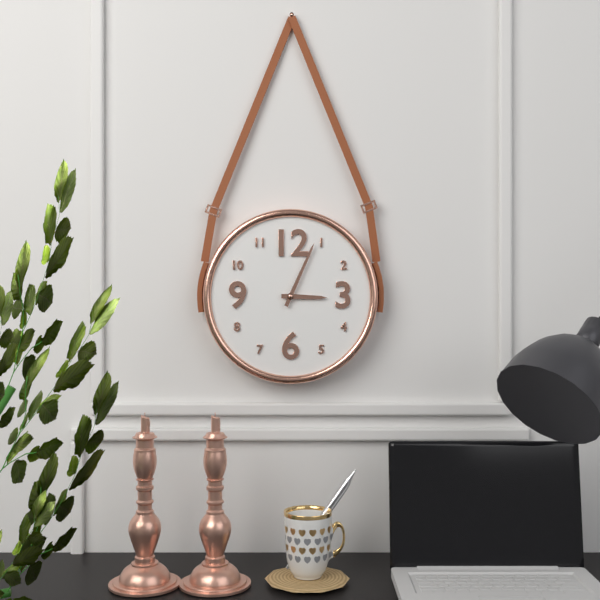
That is **3:04**
